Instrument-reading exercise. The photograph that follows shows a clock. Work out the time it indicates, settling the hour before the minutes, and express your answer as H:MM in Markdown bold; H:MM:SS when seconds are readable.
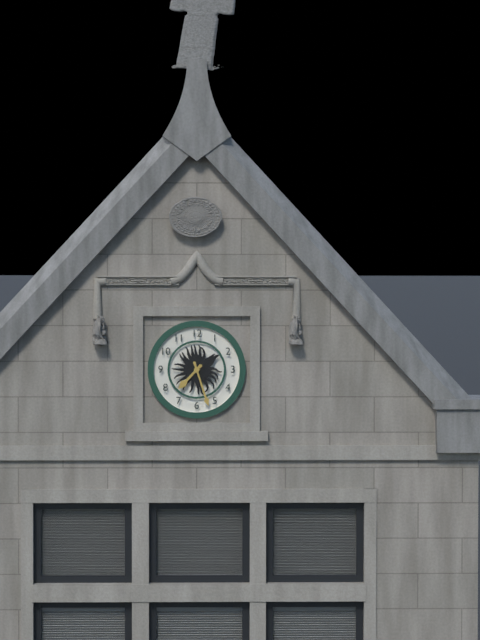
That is **7:27**
